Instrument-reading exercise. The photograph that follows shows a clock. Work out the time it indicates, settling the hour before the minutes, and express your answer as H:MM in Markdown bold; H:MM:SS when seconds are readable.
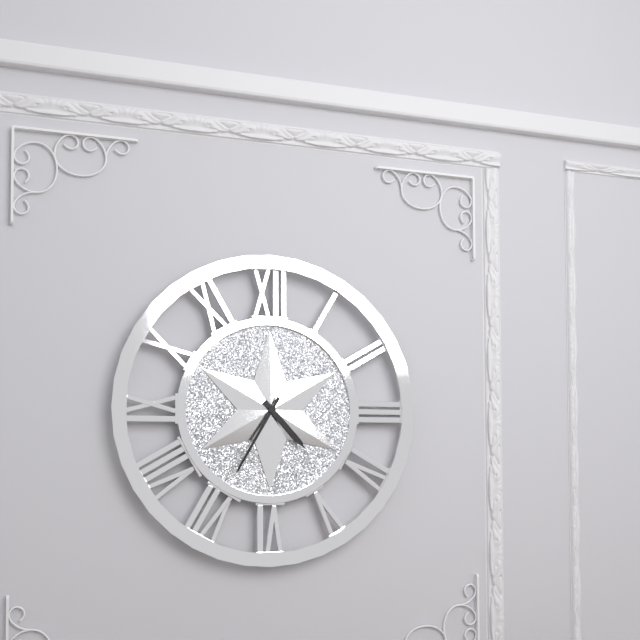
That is **4:35**
